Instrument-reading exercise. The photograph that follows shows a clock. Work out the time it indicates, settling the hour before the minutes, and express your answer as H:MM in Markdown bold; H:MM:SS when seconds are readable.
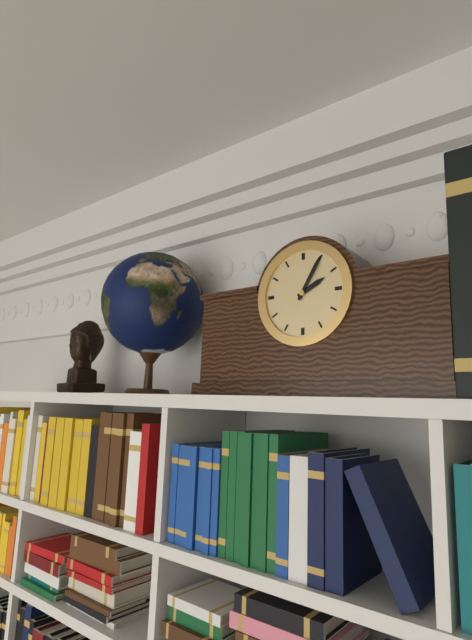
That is **2:05**
